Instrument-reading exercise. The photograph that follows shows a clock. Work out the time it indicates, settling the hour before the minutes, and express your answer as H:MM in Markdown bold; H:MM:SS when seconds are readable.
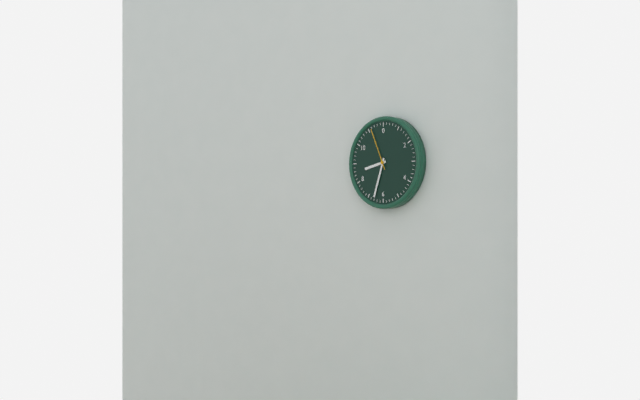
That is **8:33**
